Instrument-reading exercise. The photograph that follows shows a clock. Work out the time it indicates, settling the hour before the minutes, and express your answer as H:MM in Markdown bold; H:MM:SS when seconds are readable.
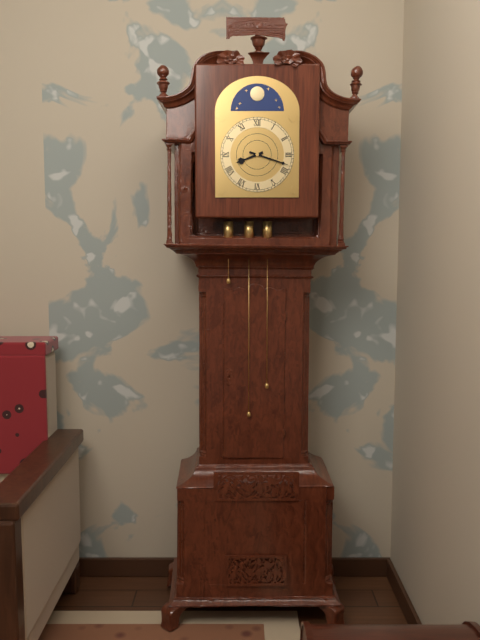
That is **8:18**
